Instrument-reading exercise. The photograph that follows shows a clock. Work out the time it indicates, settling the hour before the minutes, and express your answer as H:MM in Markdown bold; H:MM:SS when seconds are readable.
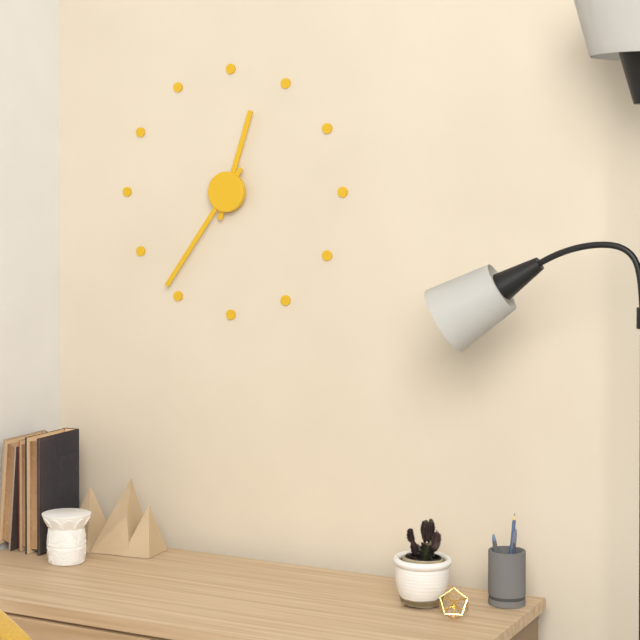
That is **12:36**
